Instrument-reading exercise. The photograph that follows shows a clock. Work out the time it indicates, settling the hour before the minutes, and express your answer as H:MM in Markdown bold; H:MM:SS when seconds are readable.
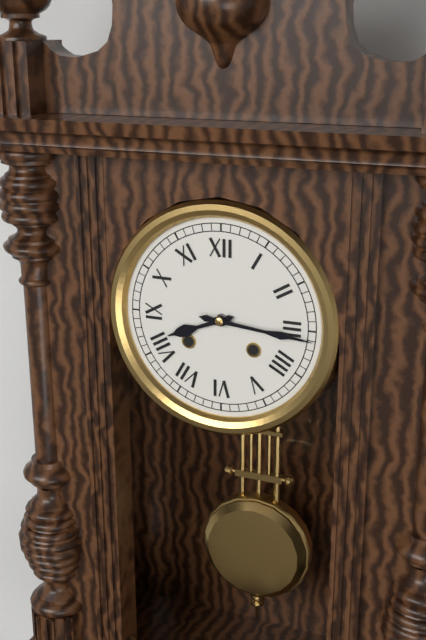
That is **8:16**
